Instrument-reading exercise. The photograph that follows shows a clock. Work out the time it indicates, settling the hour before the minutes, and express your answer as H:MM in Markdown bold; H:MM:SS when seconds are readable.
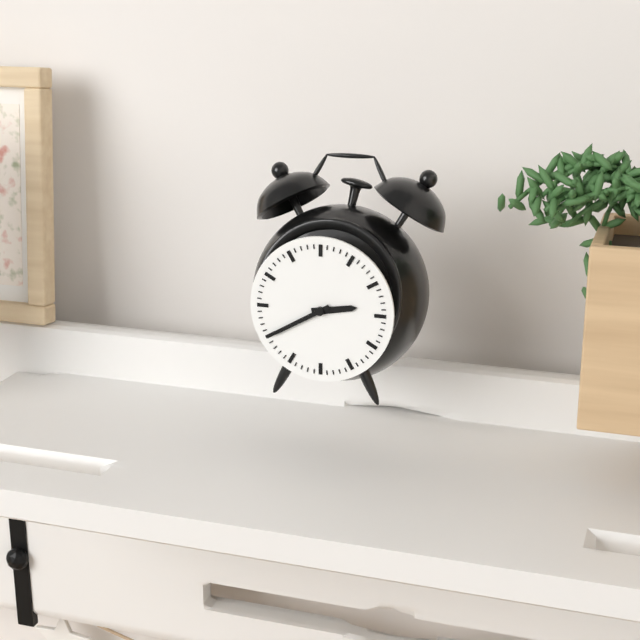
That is **2:40**
